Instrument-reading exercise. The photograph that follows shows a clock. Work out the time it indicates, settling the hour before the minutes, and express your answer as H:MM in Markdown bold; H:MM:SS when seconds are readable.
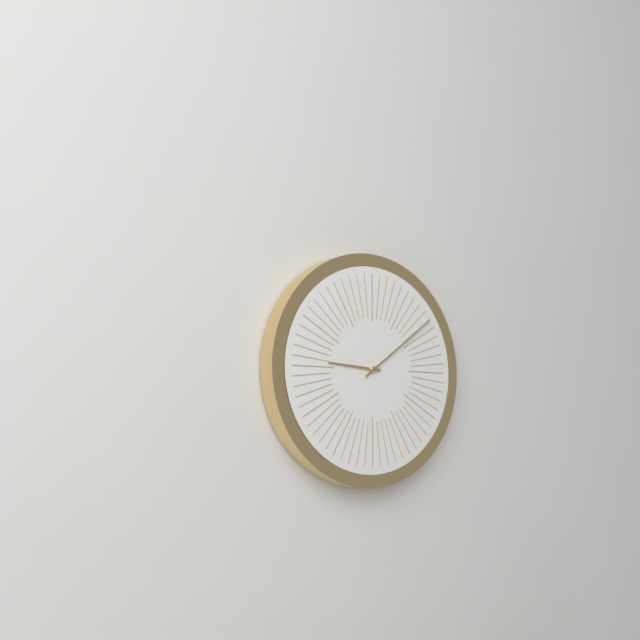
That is **9:09**
